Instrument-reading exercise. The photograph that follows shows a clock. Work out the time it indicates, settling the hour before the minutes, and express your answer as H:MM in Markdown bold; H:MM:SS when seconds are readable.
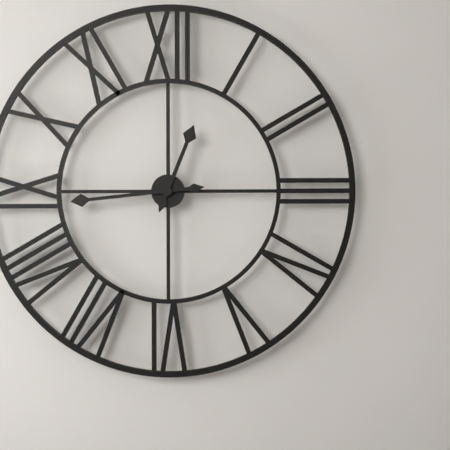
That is **12:44**
